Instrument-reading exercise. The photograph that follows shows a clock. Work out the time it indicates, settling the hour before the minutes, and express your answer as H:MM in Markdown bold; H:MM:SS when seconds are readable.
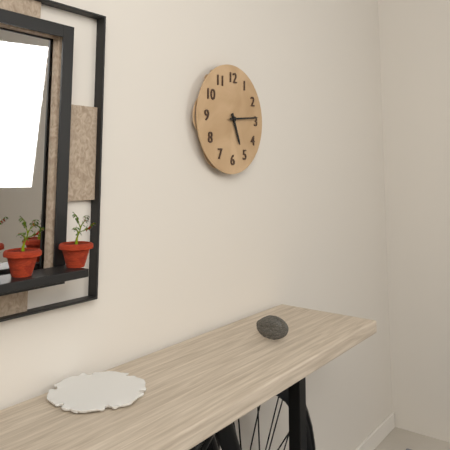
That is **5:14**
